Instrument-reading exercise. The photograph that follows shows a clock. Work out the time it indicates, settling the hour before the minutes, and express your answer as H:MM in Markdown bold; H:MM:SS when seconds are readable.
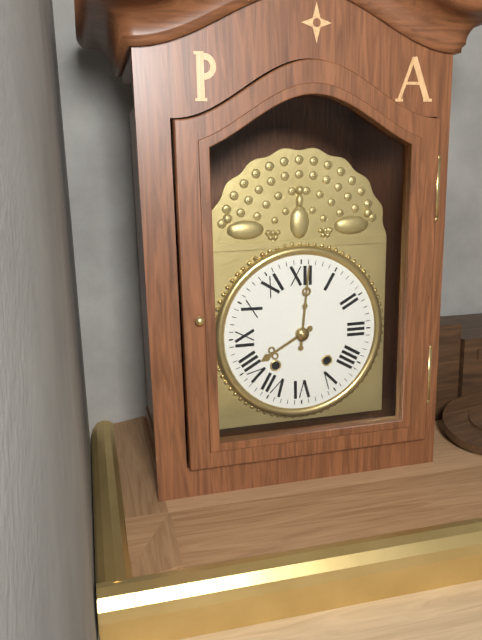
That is **8:01**
